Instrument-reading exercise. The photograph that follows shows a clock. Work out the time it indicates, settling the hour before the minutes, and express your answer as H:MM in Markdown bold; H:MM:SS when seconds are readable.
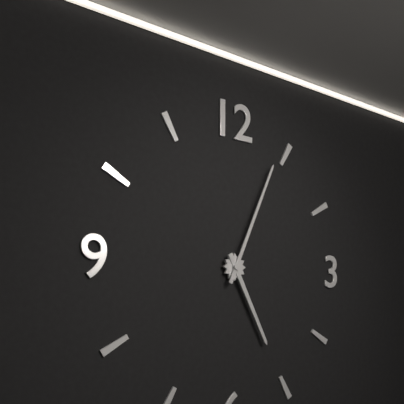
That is **5:04**
